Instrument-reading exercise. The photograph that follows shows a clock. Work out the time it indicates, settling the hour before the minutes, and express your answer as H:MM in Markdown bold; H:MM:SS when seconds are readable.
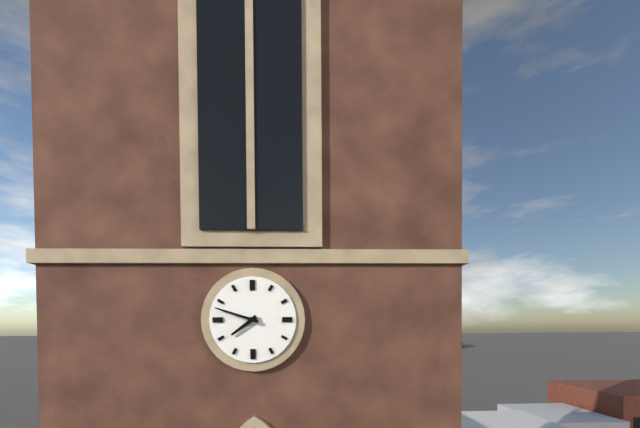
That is **7:48**
